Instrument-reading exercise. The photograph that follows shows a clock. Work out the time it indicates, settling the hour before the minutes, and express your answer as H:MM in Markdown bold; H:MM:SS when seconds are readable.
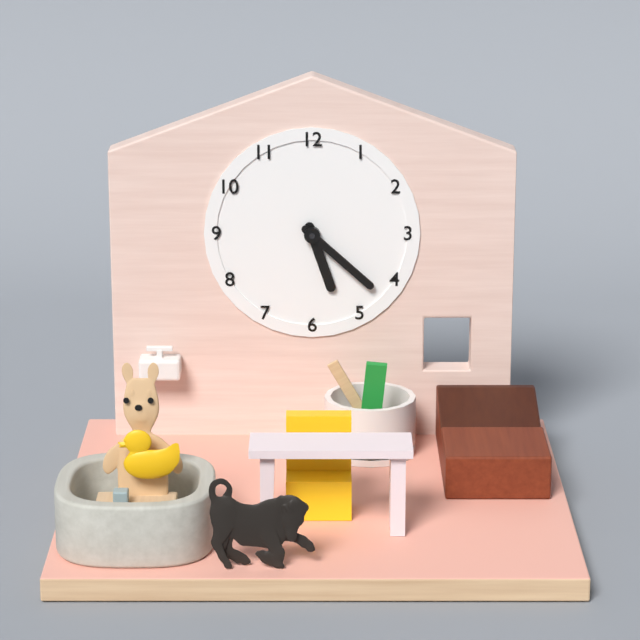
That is **5:22**
